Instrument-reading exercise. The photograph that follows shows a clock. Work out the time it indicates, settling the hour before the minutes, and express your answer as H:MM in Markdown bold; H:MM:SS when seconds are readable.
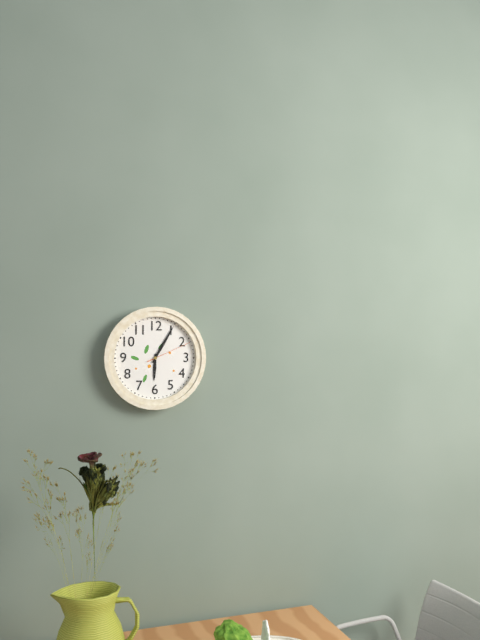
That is **6:05**
